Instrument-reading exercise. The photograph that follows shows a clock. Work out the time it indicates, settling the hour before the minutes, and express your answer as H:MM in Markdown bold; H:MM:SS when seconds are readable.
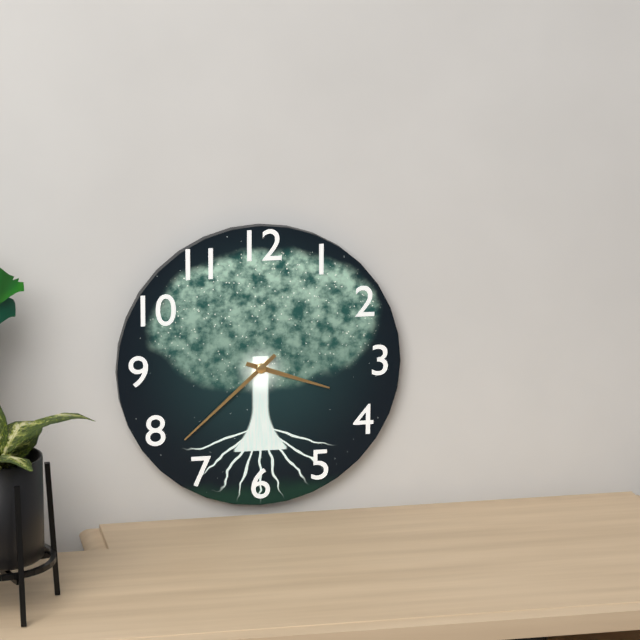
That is **3:38**
